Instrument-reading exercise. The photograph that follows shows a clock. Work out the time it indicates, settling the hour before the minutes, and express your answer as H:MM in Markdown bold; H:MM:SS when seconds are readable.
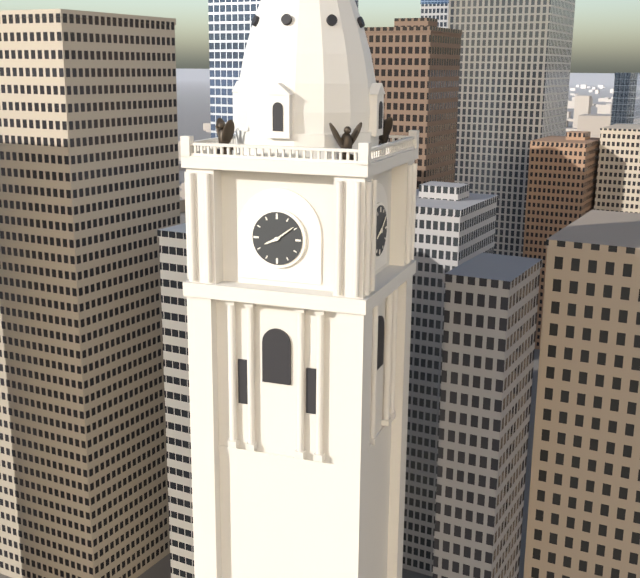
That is **8:09**
